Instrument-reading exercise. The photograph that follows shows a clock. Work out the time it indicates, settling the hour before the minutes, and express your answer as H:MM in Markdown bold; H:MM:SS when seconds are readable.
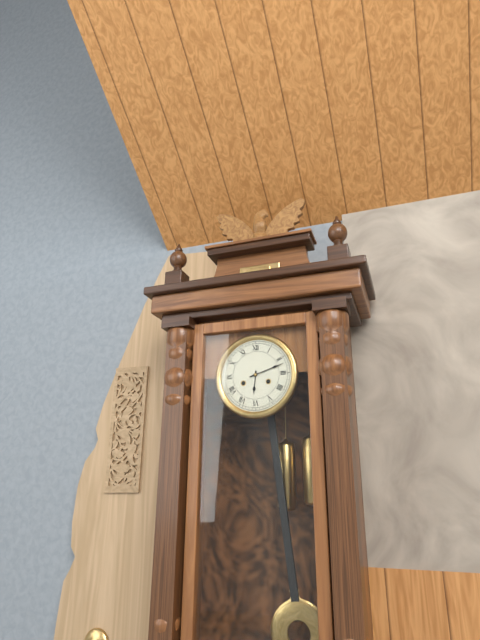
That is **6:12**
